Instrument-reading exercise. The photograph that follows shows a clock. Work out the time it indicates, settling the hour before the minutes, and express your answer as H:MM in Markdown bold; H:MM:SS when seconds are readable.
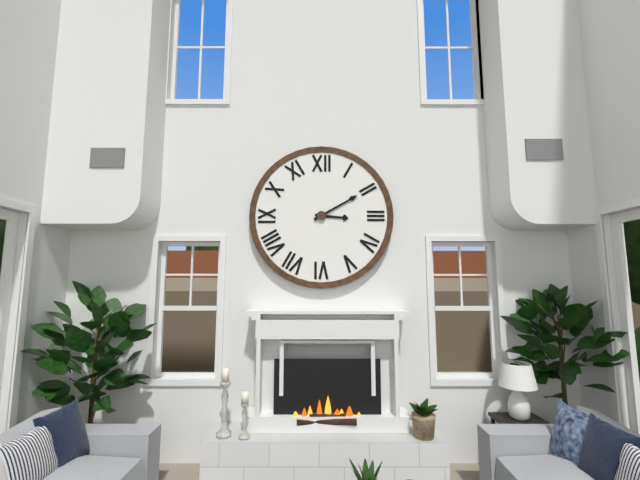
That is **3:10**
